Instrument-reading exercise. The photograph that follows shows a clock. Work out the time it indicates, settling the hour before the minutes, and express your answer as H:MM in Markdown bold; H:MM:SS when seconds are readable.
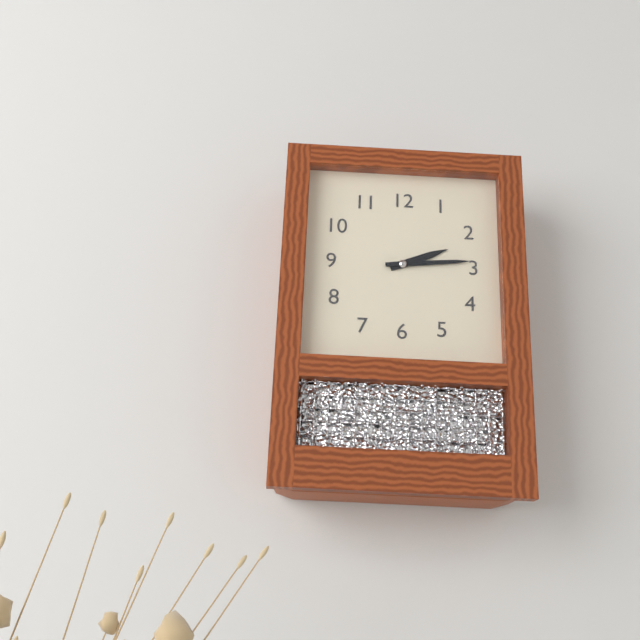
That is **2:14**
